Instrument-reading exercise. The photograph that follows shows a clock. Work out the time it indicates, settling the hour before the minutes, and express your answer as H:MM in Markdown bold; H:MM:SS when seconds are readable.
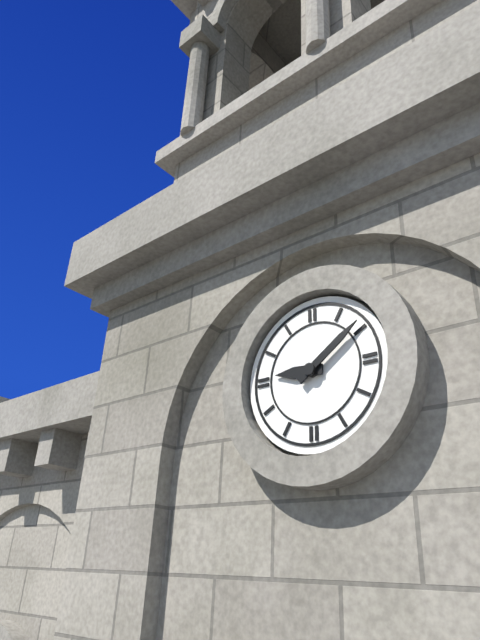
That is **9:09**
